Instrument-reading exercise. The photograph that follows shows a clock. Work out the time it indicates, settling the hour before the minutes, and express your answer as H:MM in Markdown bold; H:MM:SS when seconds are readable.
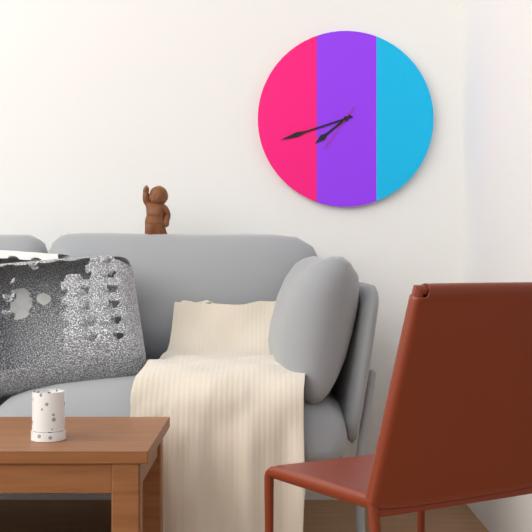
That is **7:42**
